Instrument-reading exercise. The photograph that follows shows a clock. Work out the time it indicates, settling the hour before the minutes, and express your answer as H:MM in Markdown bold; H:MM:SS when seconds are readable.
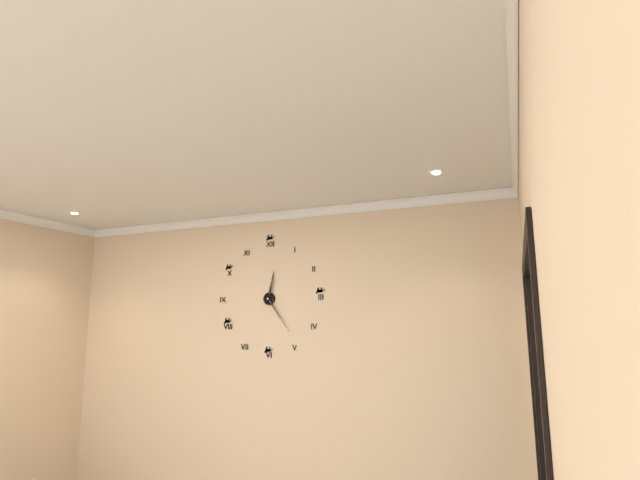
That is **12:24**
